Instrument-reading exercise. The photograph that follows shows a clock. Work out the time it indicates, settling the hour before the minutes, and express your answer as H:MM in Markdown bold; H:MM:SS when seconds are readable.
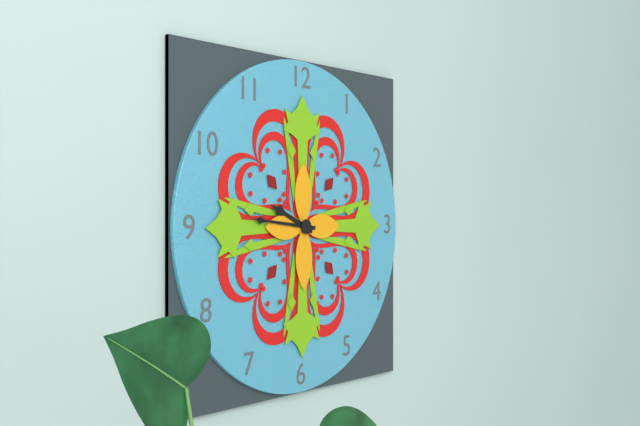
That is **9:46**
